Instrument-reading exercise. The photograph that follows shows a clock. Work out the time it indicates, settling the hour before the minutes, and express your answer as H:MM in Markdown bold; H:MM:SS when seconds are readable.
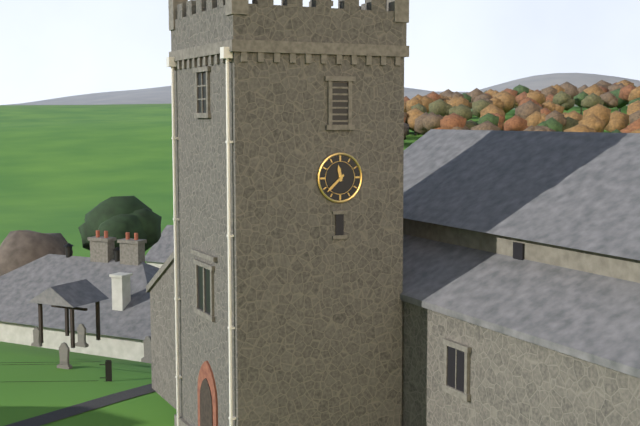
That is **11:38**
